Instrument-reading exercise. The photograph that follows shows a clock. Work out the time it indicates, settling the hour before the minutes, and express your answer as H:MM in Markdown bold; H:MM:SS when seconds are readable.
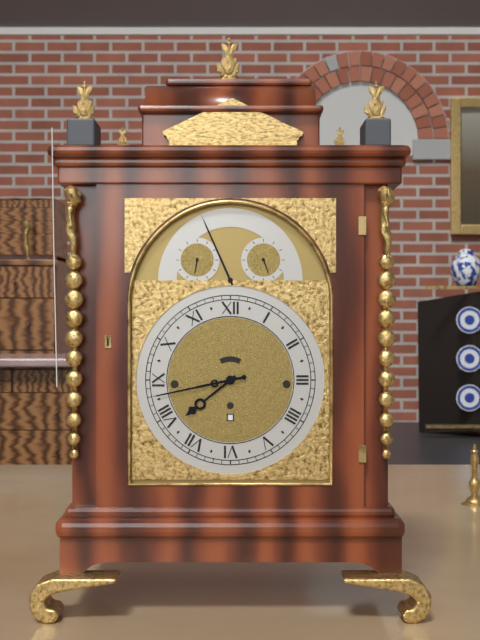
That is **7:43**
